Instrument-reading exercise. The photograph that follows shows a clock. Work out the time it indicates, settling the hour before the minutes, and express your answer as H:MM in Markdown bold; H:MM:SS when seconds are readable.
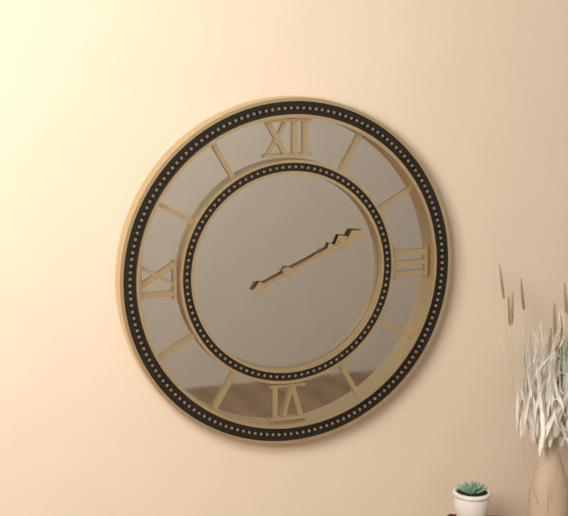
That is **2:11**
